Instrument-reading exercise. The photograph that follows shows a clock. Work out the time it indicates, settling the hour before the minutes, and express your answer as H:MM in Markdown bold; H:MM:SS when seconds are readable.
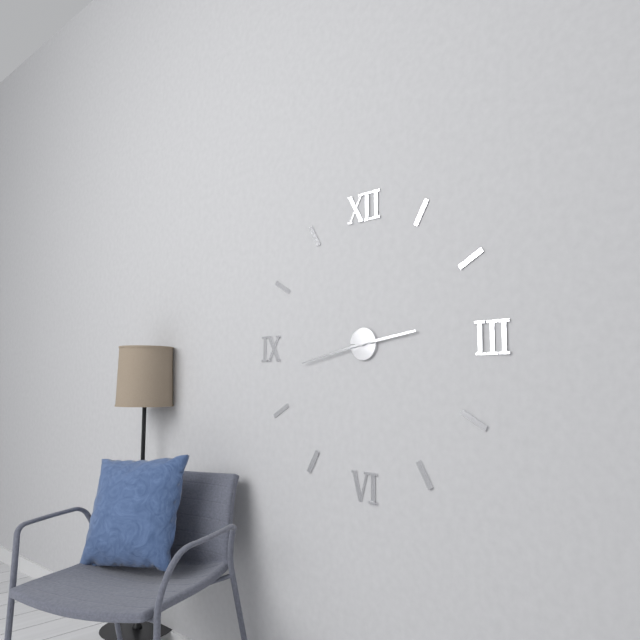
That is **2:43**
